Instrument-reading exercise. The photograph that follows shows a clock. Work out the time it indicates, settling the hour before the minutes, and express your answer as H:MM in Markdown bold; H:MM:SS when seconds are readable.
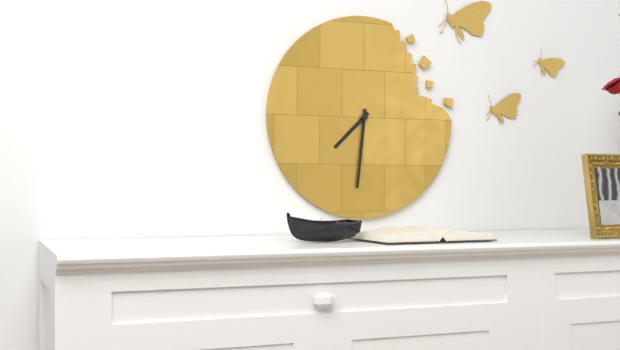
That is **7:31**
